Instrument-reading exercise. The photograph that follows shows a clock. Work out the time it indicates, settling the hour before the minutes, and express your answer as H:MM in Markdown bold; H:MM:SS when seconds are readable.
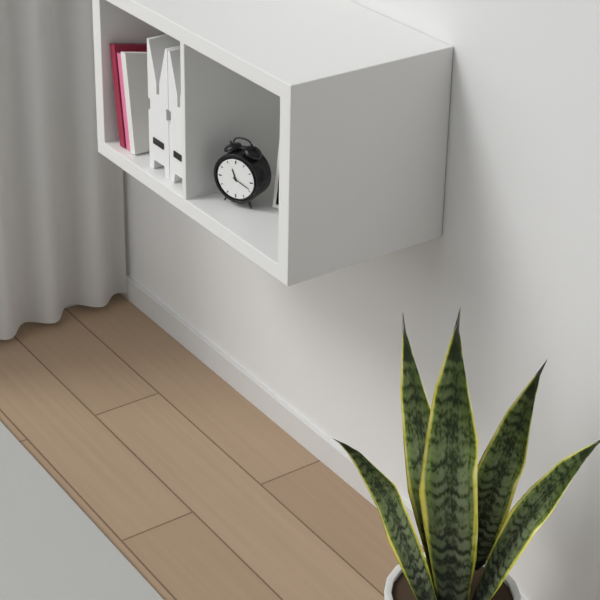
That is **11:19**
